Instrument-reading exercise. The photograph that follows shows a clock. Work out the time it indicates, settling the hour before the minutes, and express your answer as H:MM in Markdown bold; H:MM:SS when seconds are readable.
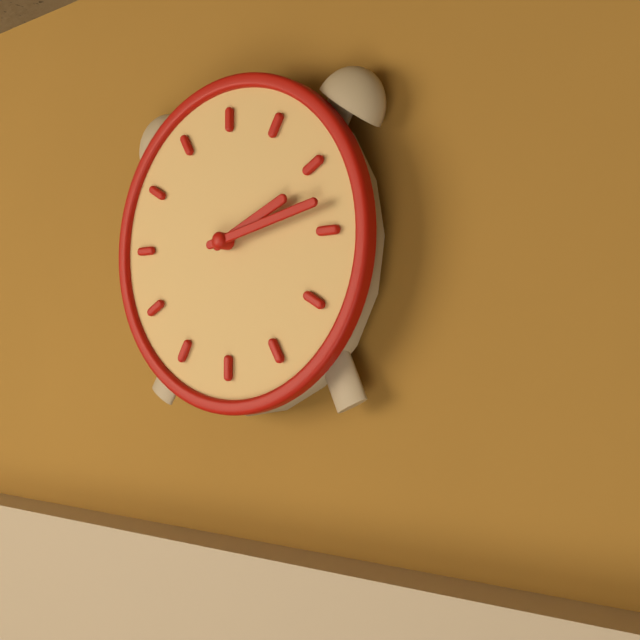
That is **2:13**
